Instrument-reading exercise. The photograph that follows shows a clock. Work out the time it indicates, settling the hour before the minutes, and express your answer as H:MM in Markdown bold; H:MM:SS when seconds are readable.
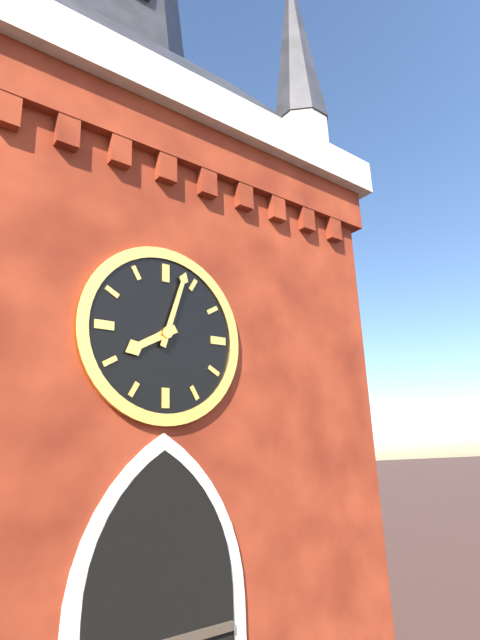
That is **8:03**
